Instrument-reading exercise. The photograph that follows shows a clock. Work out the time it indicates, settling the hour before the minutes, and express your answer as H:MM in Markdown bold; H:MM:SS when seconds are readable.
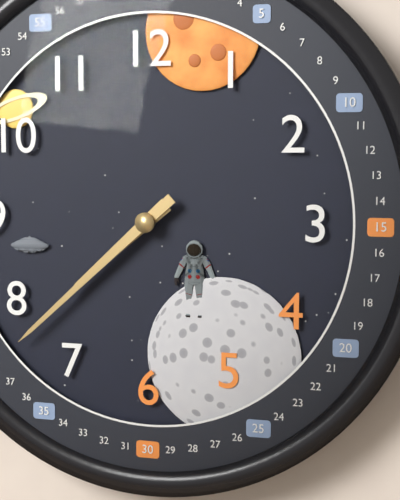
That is **7:38**
